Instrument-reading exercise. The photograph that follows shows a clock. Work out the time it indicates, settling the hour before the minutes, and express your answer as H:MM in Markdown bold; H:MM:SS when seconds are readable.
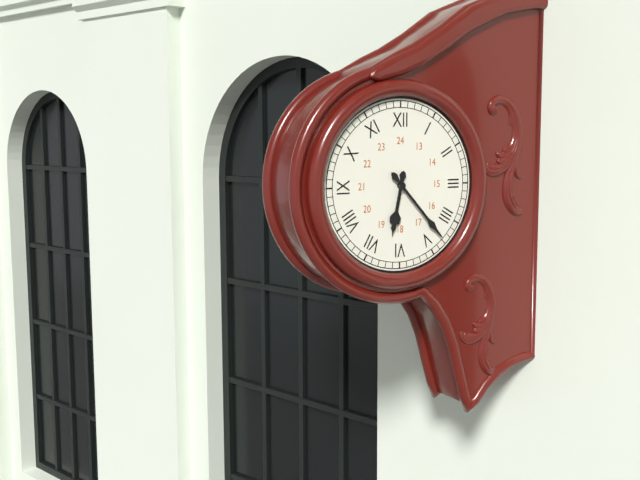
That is **6:23**
